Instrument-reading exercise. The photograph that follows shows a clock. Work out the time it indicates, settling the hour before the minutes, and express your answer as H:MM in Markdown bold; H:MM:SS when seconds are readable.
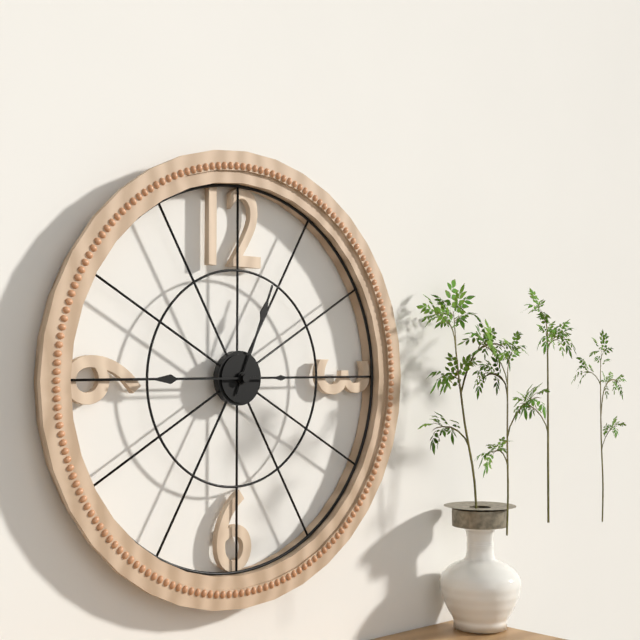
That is **12:45**
